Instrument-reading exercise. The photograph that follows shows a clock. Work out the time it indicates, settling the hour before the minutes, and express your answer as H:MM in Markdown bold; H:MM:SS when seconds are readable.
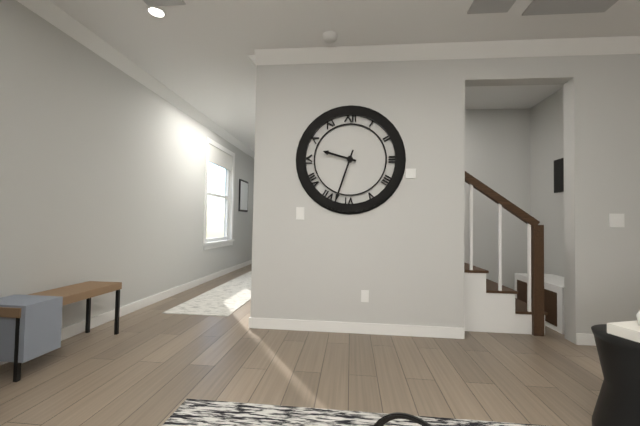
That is **9:33**
